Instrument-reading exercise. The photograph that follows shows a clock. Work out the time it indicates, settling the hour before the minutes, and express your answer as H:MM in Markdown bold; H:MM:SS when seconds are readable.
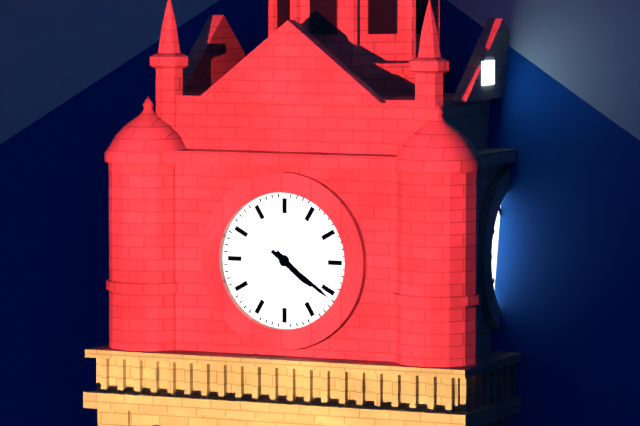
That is **4:21**
